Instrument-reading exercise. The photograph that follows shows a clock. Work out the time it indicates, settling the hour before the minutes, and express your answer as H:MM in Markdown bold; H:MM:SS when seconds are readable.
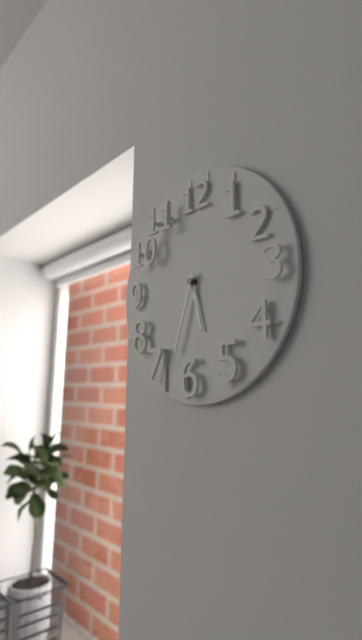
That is **5:33**
